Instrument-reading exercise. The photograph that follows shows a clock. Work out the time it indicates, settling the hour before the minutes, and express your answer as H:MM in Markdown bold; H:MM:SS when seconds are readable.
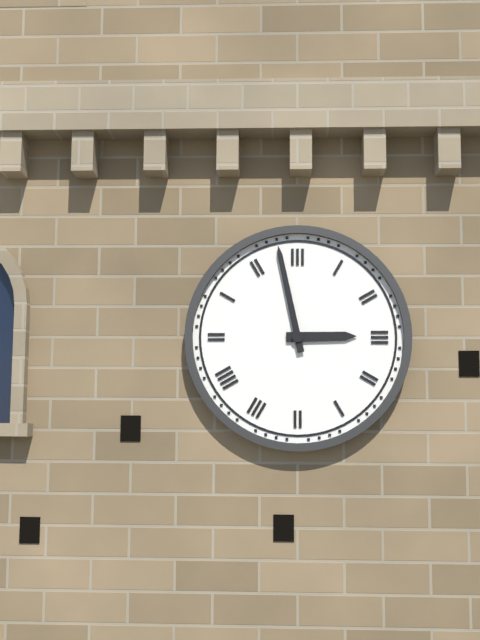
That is **2:58**
